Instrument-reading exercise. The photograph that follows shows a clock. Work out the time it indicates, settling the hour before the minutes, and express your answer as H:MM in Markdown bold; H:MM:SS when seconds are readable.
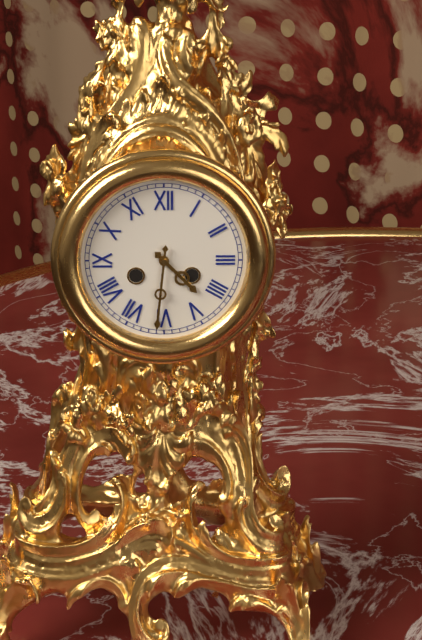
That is **4:31**
